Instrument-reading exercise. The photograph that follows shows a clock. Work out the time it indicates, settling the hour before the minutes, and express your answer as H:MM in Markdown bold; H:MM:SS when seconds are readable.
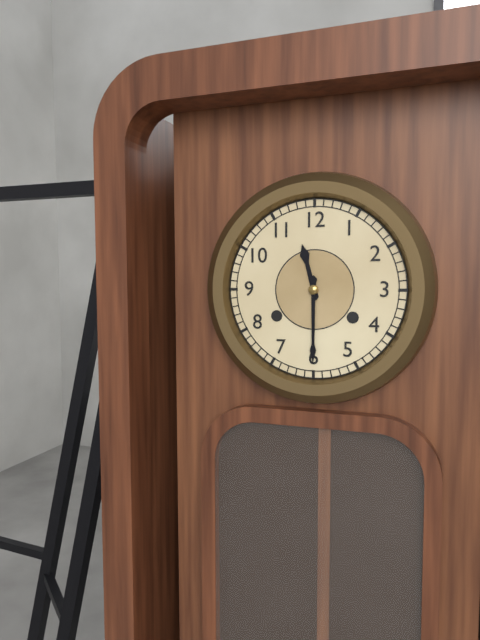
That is **11:30**
